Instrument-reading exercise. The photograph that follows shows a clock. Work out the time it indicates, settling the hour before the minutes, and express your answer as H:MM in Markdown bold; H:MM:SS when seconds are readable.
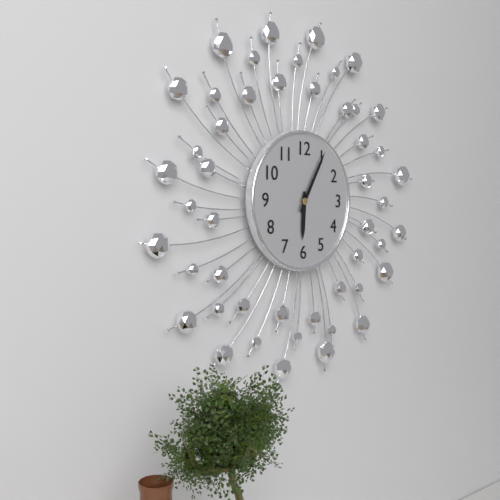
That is **6:05**
